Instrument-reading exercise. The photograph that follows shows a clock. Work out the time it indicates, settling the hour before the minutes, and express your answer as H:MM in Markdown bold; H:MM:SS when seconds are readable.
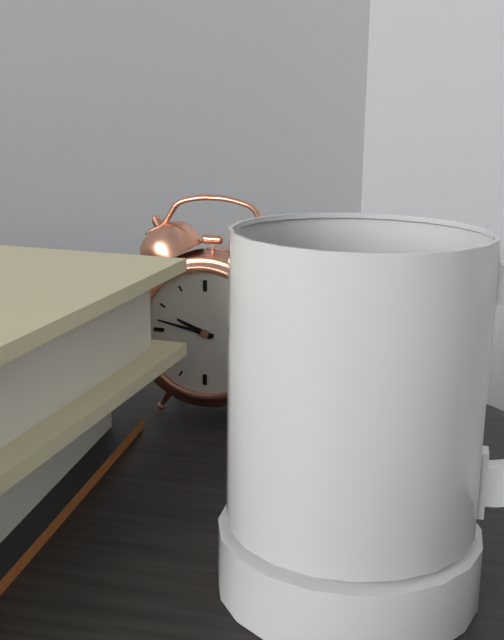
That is **9:47**
